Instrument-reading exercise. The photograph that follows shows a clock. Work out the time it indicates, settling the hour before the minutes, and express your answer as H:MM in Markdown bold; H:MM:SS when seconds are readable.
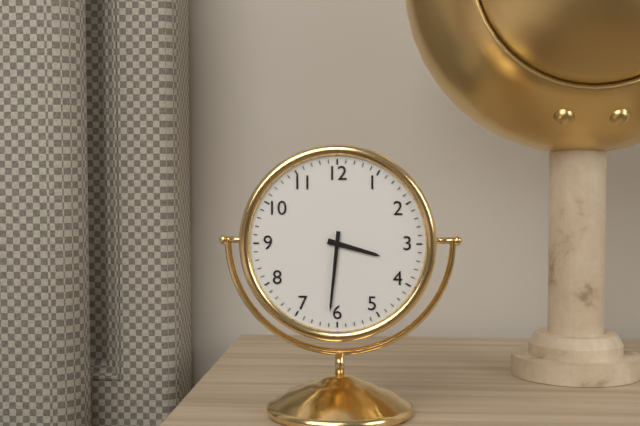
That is **3:31**
